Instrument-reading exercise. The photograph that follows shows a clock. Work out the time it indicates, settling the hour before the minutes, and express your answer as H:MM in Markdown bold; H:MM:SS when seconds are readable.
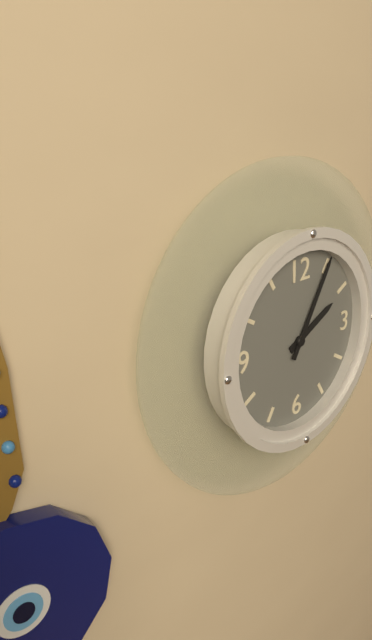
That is **2:05**
